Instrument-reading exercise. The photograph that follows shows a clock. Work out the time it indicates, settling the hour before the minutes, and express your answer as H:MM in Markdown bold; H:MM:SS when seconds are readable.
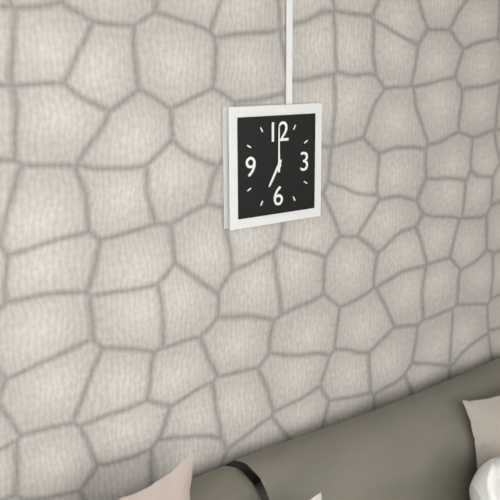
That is **7:00**
